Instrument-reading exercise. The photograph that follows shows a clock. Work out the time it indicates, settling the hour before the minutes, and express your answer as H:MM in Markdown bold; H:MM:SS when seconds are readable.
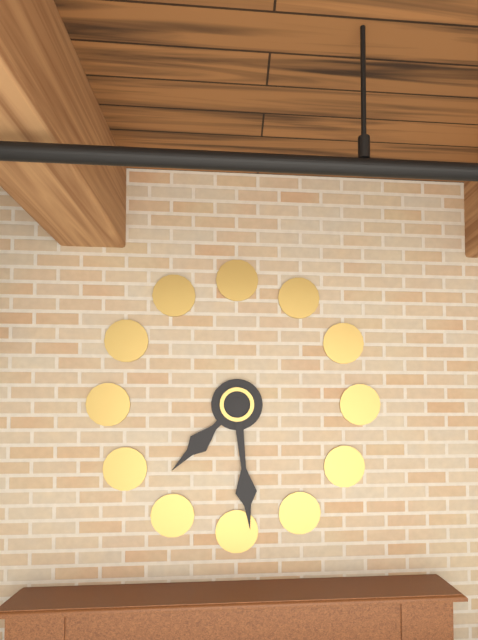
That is **7:29**
